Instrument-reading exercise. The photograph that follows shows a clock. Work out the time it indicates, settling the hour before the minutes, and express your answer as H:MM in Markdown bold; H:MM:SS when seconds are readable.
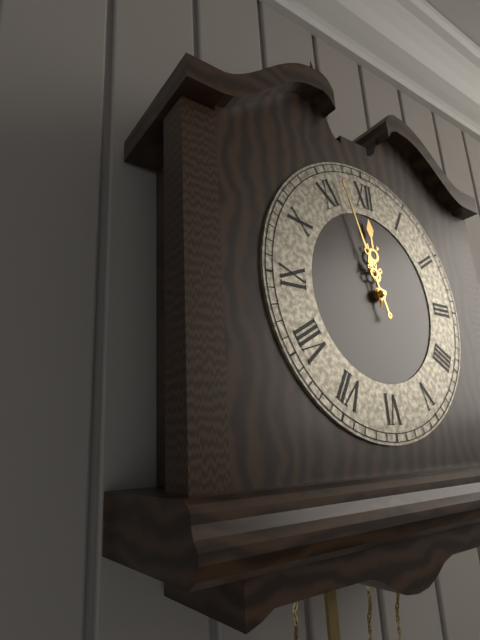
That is **11:57**
